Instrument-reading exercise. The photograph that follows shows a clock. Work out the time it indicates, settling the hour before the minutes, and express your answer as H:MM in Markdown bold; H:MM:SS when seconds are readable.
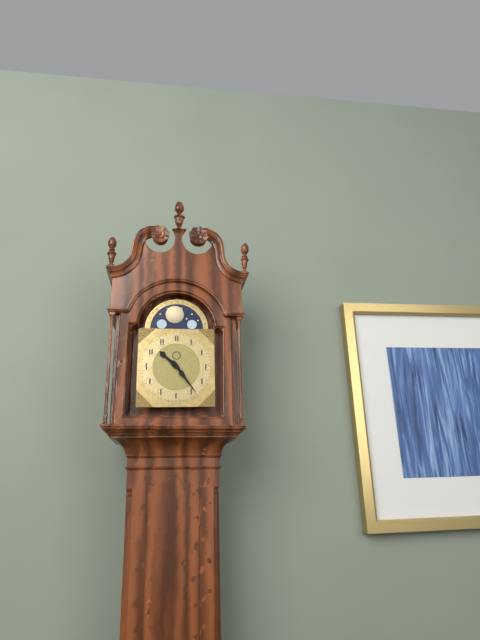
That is **10:24**
